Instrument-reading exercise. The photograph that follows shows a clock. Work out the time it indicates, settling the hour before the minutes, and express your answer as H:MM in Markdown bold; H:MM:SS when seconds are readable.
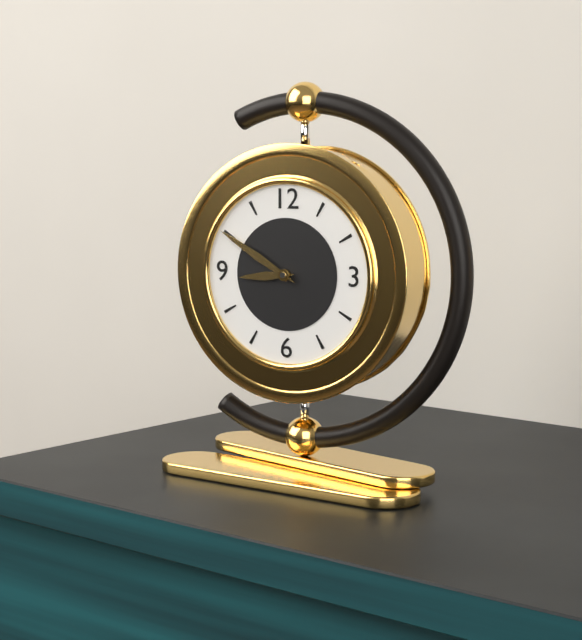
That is **8:50**
